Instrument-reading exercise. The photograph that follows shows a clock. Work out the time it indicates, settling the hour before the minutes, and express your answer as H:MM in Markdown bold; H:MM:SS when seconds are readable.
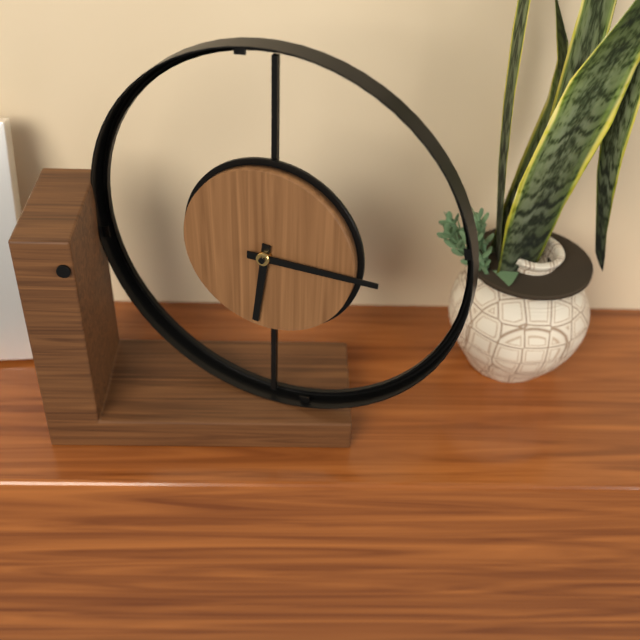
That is **6:15**
